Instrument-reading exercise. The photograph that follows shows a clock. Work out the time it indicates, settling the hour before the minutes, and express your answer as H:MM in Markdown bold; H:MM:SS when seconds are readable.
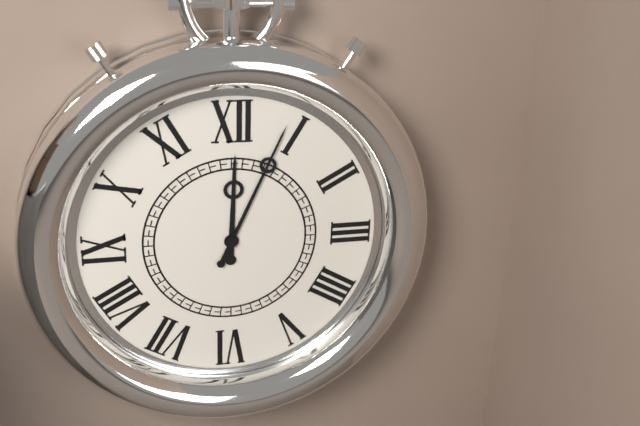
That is **12:04**
